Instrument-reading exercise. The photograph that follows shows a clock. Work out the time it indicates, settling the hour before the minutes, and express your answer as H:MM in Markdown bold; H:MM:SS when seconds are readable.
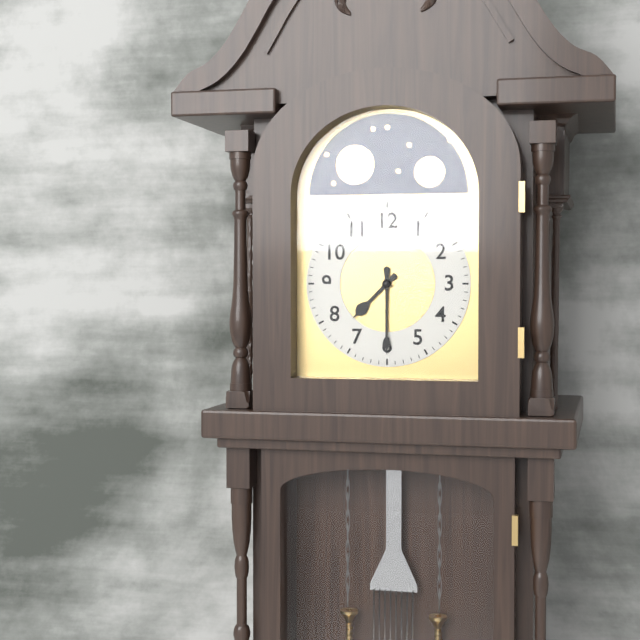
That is **7:30**
